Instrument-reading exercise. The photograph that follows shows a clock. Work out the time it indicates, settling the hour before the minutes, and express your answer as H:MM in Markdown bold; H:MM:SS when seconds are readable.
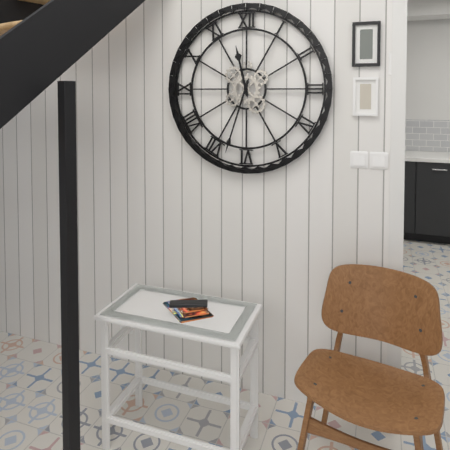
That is **11:33**
